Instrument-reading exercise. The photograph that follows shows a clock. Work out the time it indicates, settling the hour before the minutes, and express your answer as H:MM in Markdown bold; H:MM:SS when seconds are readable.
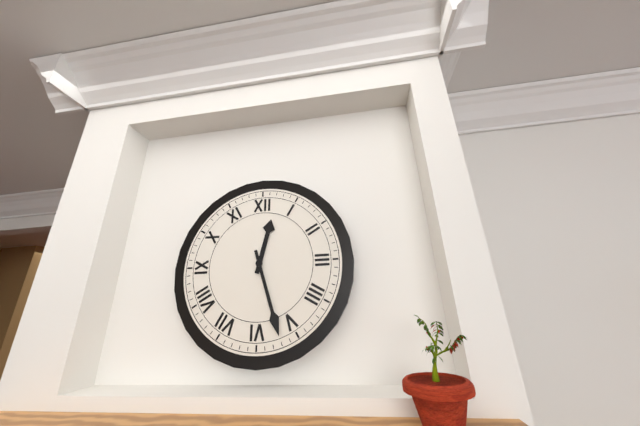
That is **12:27**
